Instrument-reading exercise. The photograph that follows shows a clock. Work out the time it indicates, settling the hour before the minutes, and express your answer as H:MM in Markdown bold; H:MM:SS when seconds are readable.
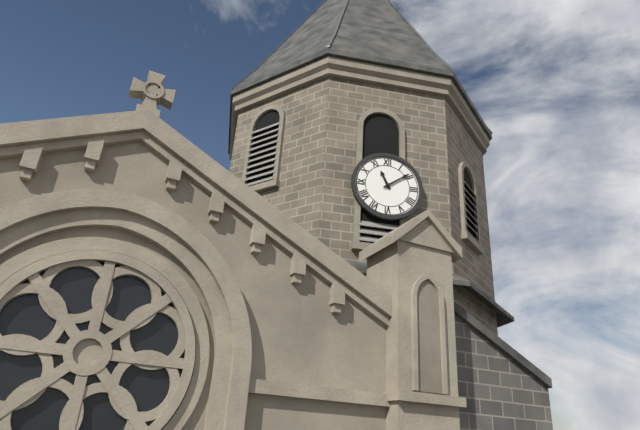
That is **11:09**
